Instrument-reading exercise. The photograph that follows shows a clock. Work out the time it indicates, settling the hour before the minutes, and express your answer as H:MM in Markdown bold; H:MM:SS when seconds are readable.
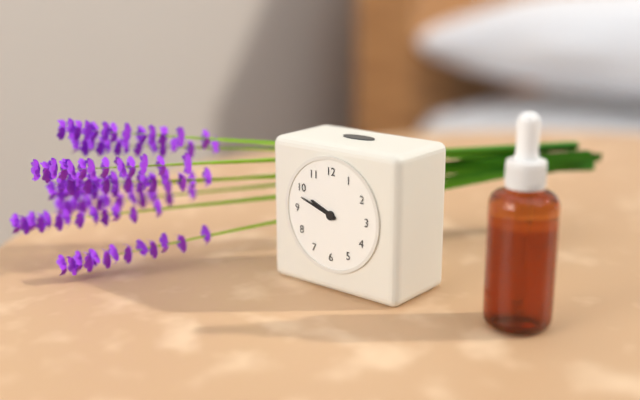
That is **9:48**
